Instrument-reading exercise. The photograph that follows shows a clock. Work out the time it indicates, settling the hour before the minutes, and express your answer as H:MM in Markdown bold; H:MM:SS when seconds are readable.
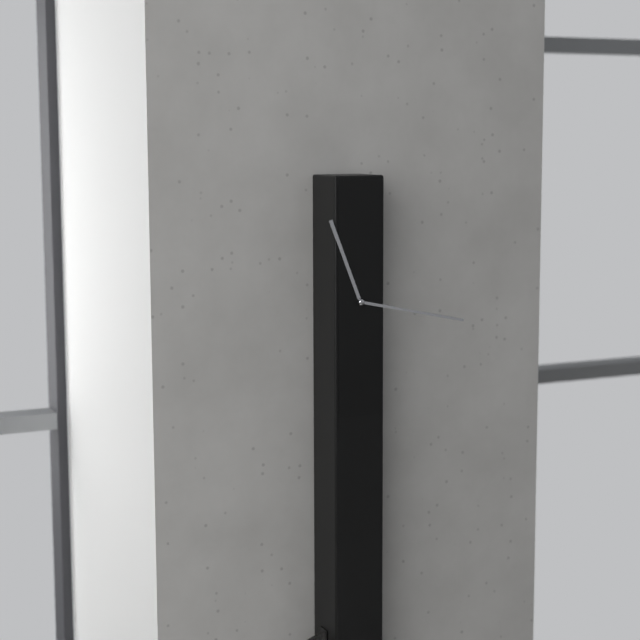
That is **11:17**
